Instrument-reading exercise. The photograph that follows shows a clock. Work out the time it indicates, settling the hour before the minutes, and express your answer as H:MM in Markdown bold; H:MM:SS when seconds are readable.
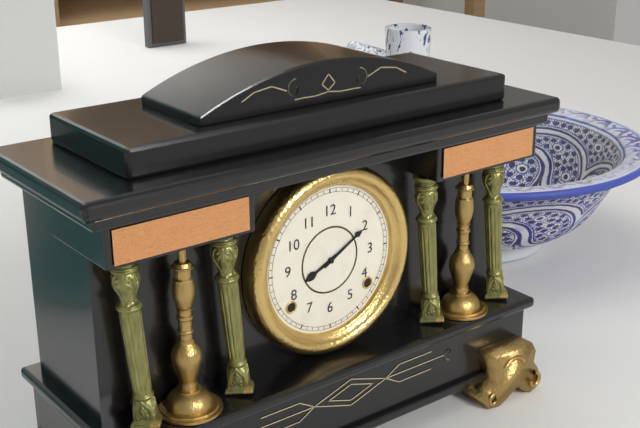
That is **8:10**
